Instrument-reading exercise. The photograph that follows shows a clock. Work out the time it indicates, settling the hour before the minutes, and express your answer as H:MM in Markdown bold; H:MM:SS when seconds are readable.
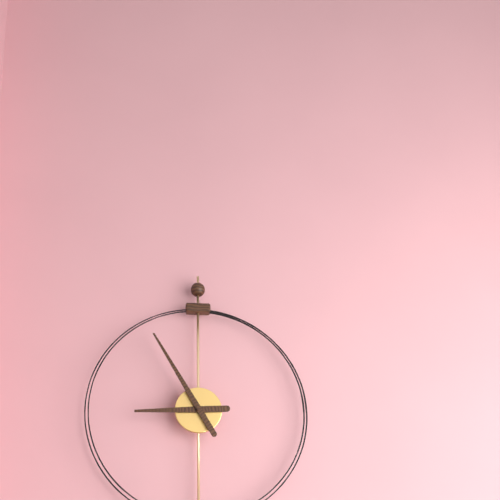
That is **8:55**
